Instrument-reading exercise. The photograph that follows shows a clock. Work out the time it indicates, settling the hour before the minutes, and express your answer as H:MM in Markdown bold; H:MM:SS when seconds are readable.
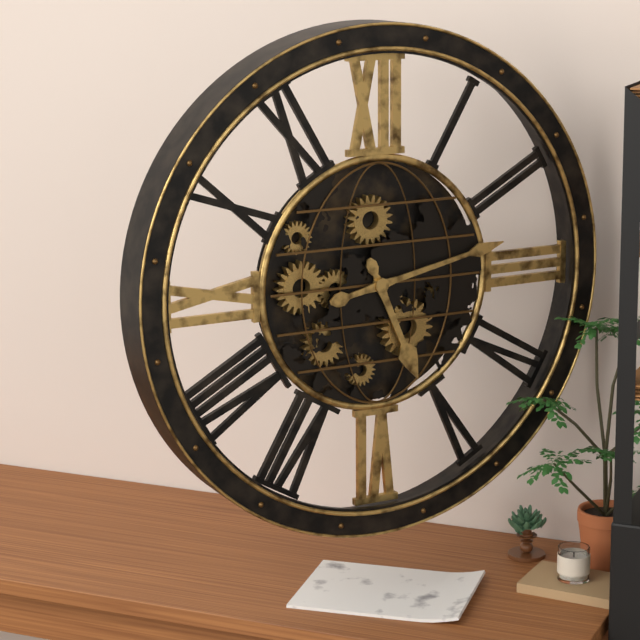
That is **5:13**
